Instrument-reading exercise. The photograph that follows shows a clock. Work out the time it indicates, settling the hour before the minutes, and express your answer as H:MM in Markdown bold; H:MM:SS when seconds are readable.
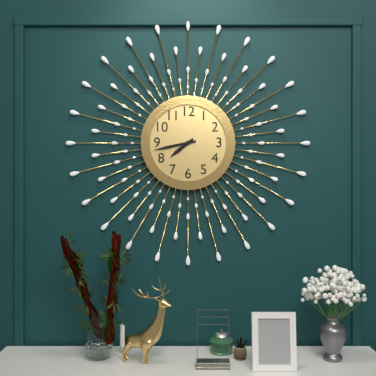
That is **7:43**
